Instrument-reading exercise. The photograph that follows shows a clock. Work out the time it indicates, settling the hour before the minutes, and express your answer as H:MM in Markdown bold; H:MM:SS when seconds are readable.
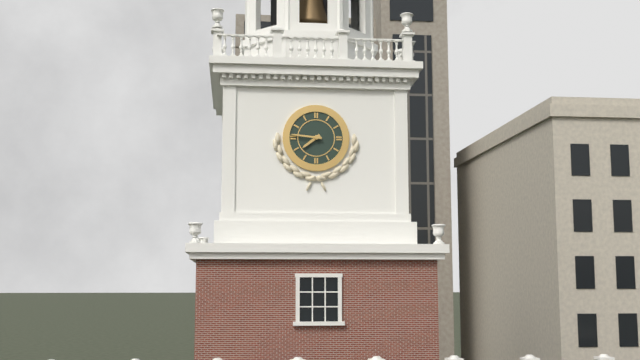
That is **7:46**
